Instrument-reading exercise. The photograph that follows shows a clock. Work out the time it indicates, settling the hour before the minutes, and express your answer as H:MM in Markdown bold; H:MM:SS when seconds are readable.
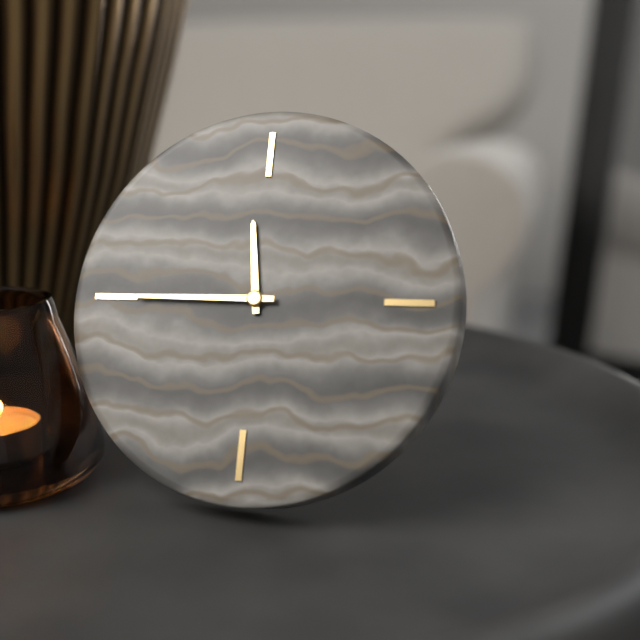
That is **11:45**
